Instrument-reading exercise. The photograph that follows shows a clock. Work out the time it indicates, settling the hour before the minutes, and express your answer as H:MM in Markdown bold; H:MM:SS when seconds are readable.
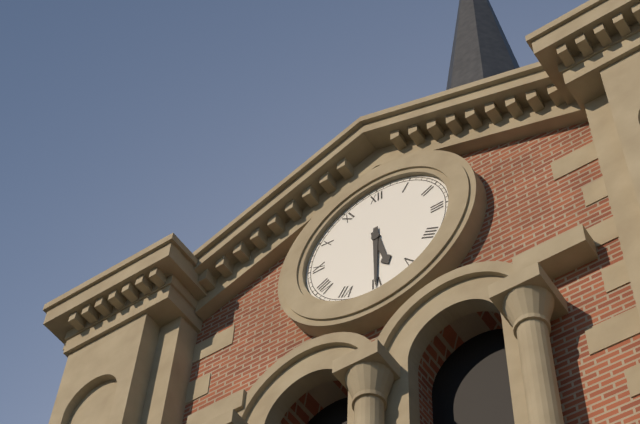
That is **5:30**
